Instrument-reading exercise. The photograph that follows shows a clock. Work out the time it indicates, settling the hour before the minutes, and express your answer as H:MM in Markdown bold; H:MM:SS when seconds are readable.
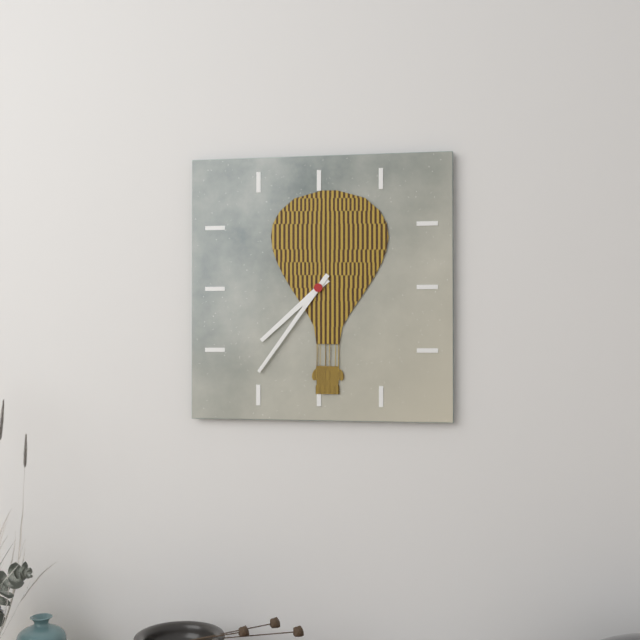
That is **7:36**
